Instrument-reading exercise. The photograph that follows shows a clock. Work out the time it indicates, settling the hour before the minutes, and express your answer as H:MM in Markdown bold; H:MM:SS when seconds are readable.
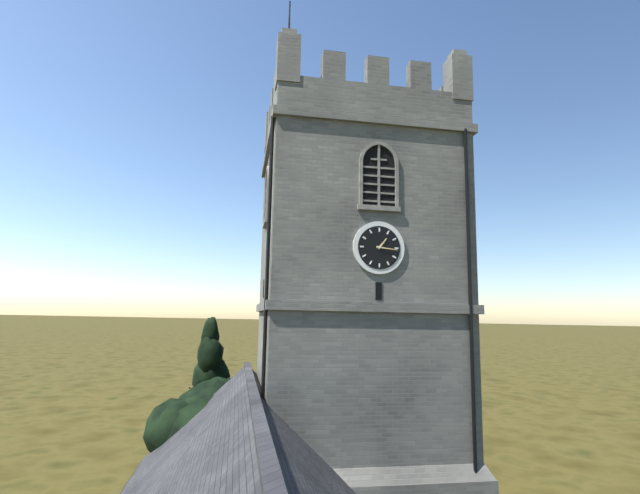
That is **1:16**
